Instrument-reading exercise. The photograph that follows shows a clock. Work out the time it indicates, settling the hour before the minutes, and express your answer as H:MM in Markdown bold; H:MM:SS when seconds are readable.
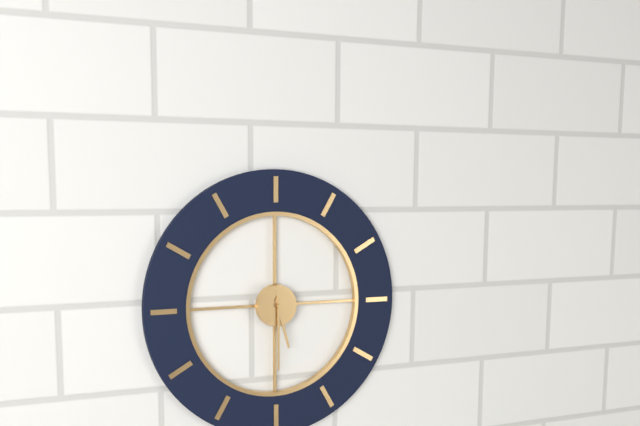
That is **5:30**
